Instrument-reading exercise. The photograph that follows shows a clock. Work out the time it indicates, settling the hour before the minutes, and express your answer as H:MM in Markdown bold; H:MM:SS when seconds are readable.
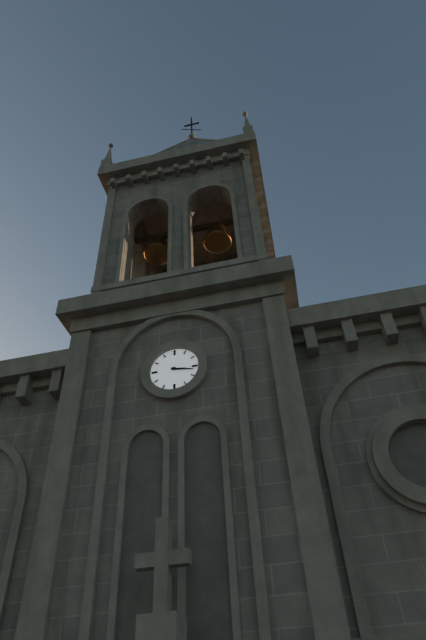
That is **3:17**
